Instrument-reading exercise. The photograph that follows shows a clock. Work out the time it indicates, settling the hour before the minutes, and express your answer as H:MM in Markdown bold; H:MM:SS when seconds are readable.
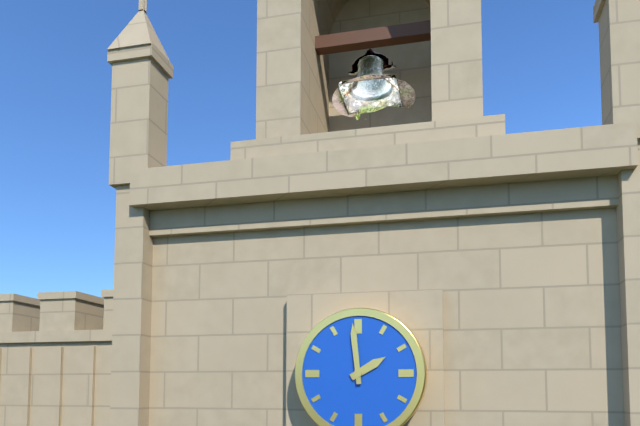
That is **1:59**
